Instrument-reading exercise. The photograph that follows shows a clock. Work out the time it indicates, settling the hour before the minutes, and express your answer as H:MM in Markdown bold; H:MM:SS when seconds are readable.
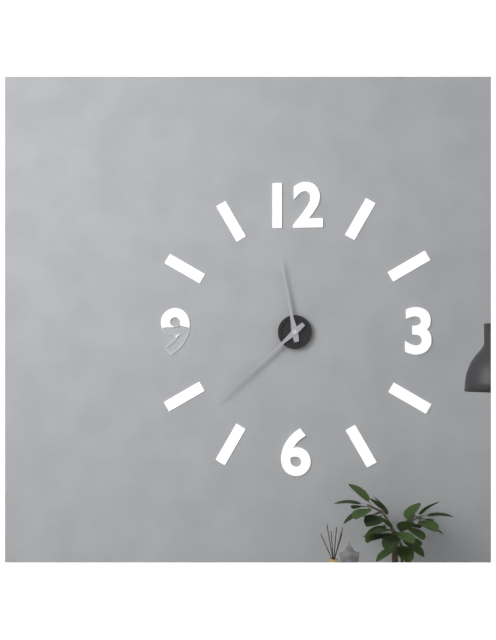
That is **11:38**
